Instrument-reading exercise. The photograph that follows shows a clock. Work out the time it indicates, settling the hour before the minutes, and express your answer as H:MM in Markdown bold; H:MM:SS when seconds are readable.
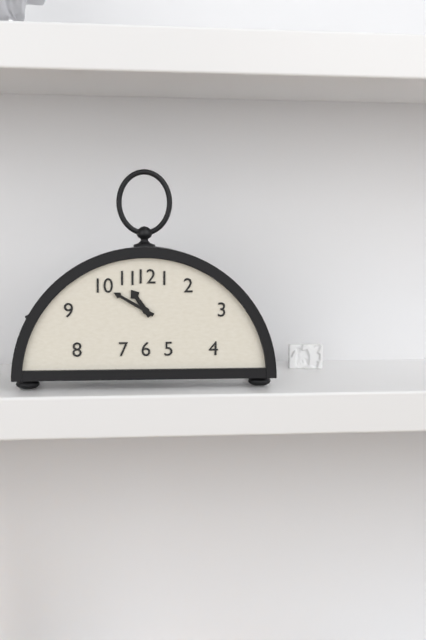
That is **10:50**
